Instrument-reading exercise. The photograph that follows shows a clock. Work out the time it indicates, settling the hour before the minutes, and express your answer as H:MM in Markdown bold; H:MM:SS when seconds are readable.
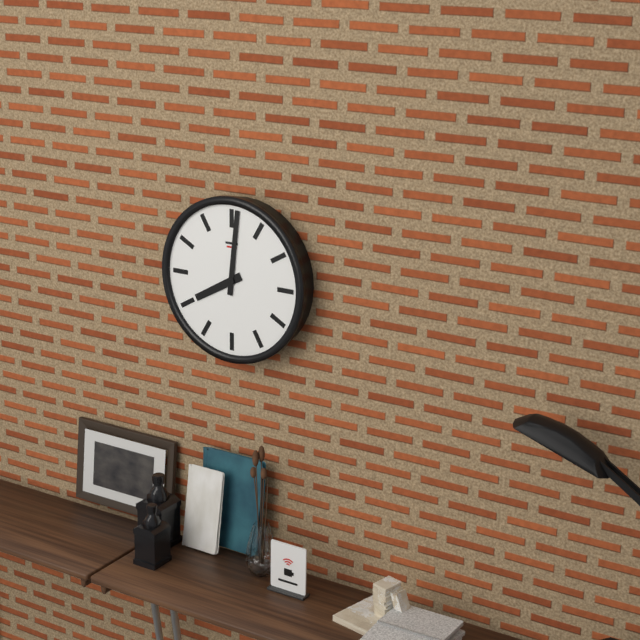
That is **8:01**
